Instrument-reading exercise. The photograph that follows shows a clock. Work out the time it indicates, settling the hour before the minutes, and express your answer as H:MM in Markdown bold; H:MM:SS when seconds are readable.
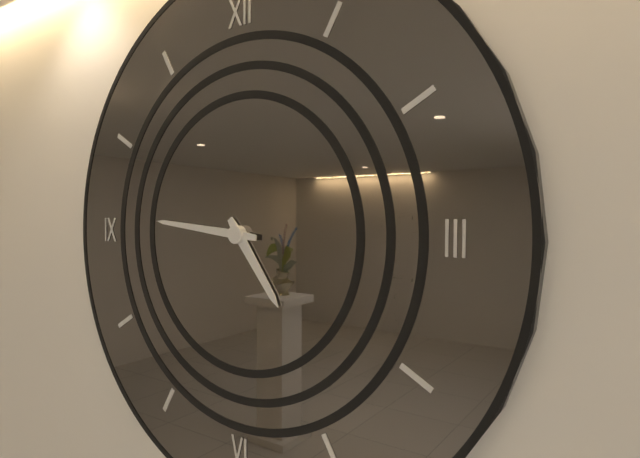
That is **4:46**
